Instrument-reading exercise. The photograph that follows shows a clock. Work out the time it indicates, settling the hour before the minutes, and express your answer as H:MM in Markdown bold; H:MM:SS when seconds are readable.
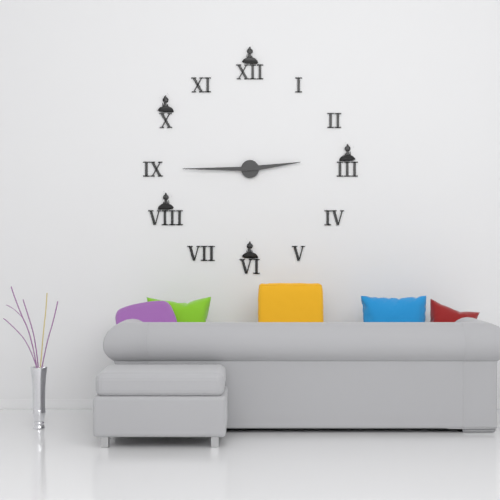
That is **2:45**
